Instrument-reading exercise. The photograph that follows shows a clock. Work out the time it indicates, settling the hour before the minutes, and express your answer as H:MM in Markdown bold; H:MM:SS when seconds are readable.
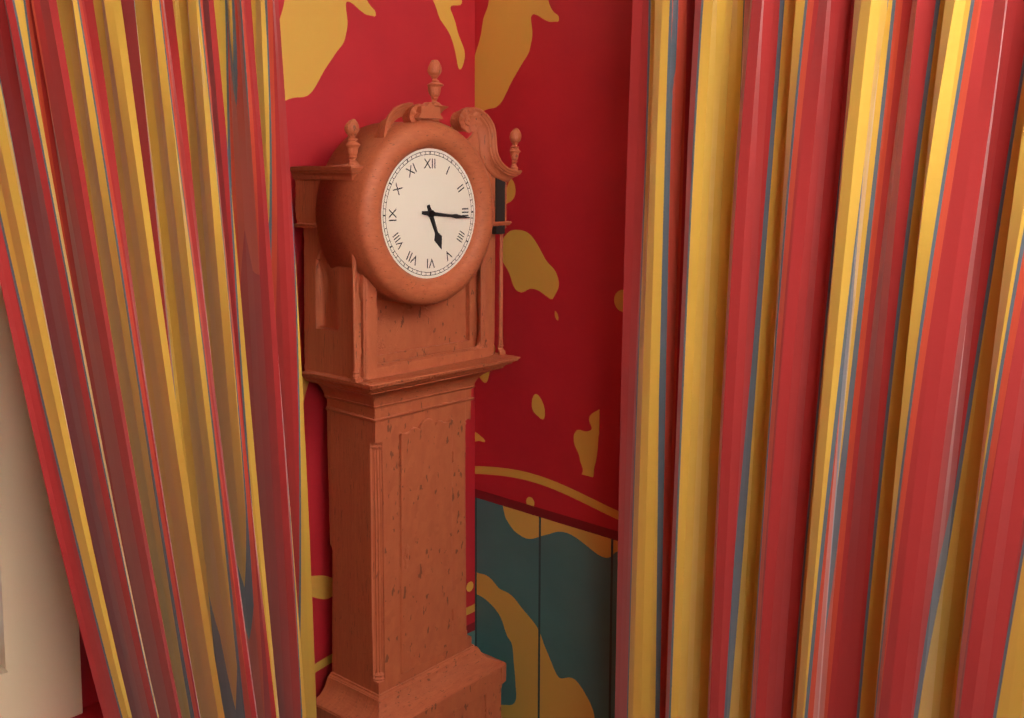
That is **5:16**
